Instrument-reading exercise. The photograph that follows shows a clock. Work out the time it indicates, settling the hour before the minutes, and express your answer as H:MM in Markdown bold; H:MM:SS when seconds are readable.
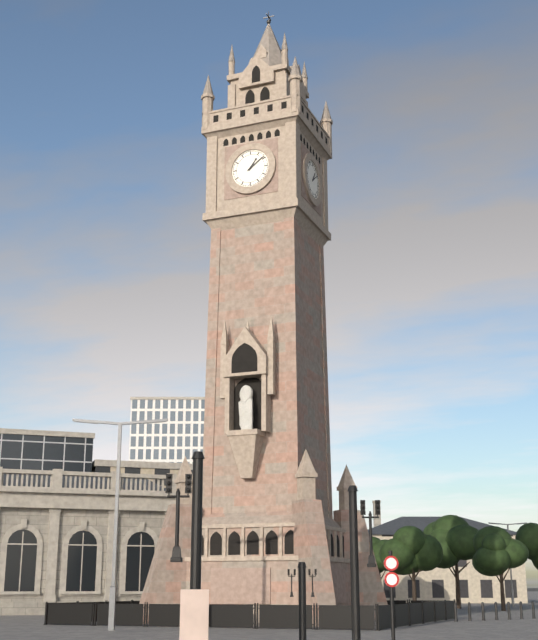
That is **1:09**
